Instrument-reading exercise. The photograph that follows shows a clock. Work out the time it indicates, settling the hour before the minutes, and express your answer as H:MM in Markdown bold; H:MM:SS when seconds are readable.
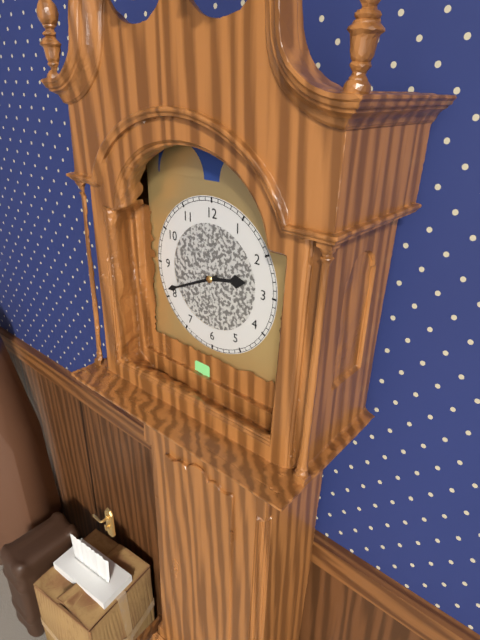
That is **2:41**
